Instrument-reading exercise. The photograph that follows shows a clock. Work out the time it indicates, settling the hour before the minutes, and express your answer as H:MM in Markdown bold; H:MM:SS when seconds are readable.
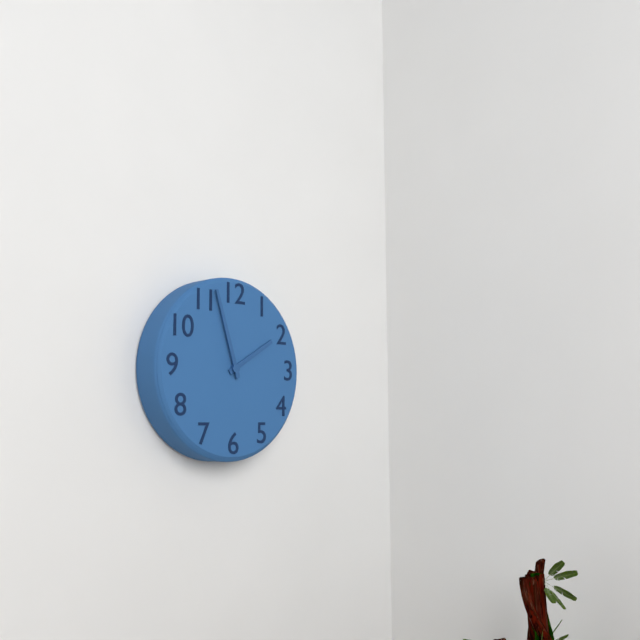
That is **1:57**
